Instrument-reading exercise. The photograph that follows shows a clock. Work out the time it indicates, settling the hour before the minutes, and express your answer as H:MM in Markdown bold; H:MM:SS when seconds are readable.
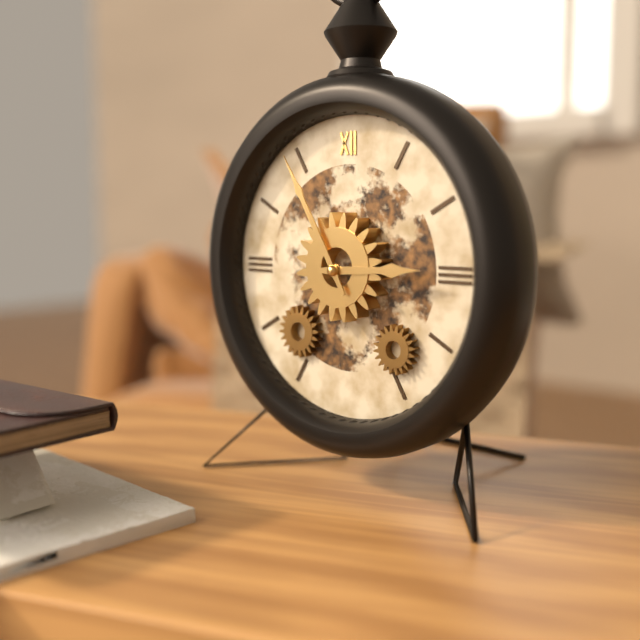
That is **2:55**
